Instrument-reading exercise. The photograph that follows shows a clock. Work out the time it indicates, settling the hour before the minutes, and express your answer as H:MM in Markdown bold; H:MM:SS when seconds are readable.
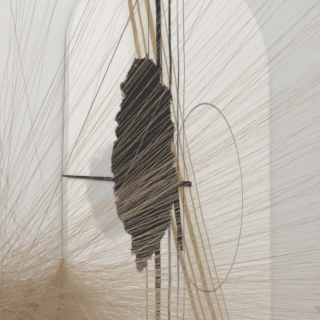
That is **5:45**
